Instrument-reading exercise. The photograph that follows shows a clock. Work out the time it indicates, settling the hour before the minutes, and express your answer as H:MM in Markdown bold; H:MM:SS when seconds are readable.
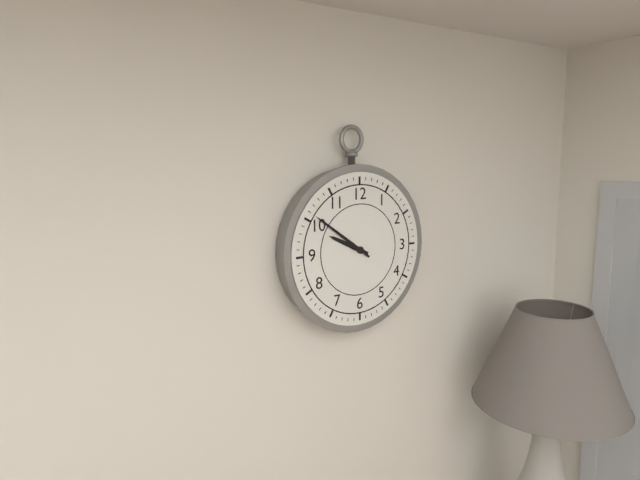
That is **9:51**
